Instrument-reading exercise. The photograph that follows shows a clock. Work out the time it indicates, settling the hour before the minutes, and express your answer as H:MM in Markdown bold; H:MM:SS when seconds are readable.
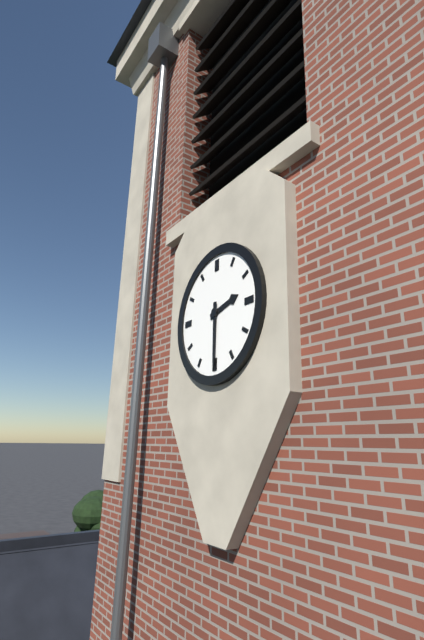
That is **2:30**
